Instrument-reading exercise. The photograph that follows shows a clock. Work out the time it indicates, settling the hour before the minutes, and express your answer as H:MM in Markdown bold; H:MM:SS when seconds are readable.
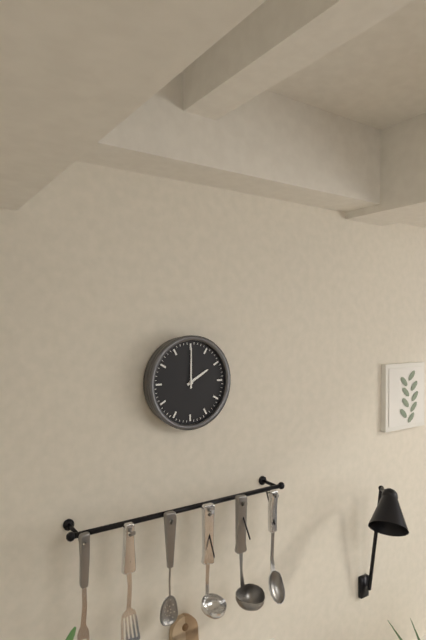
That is **2:00**
